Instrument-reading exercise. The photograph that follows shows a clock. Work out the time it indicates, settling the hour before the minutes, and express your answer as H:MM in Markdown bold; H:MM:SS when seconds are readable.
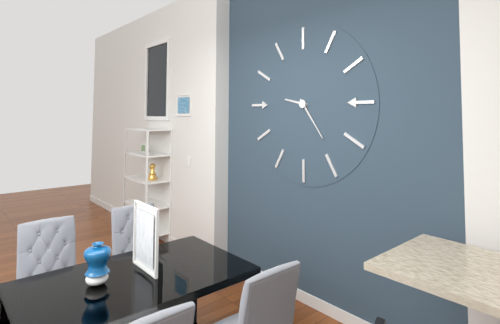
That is **9:24**
